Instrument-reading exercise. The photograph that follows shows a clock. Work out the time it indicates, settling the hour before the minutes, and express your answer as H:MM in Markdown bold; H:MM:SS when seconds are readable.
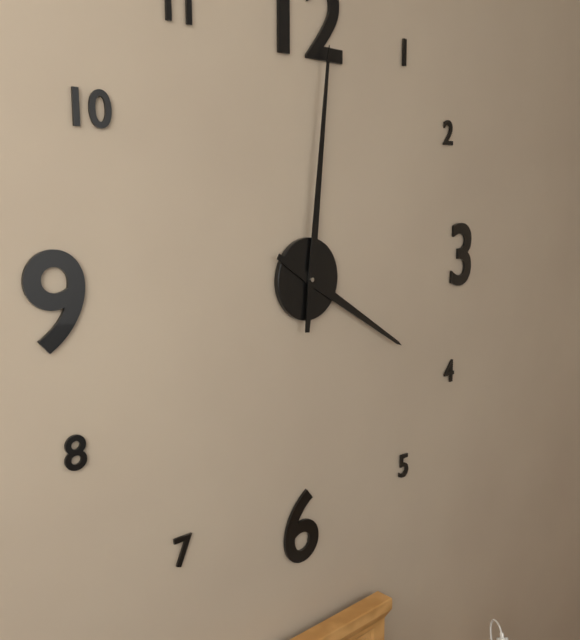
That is **4:01**
